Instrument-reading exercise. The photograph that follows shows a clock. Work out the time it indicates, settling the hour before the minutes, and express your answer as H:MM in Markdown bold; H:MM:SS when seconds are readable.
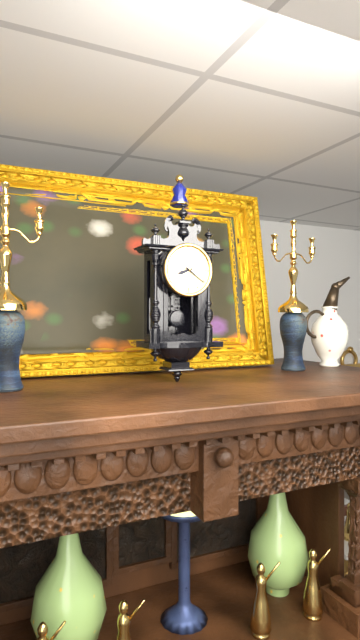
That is **8:21**
